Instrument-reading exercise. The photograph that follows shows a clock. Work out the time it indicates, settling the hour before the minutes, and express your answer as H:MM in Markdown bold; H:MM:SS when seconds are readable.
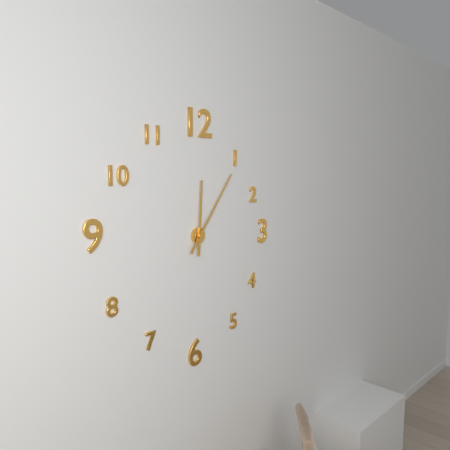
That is **12:06**
